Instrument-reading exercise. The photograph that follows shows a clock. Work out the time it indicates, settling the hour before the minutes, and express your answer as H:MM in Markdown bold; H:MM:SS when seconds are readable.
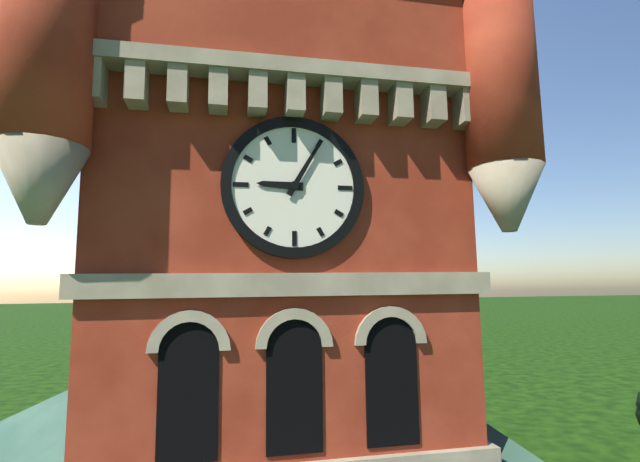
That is **9:05**
